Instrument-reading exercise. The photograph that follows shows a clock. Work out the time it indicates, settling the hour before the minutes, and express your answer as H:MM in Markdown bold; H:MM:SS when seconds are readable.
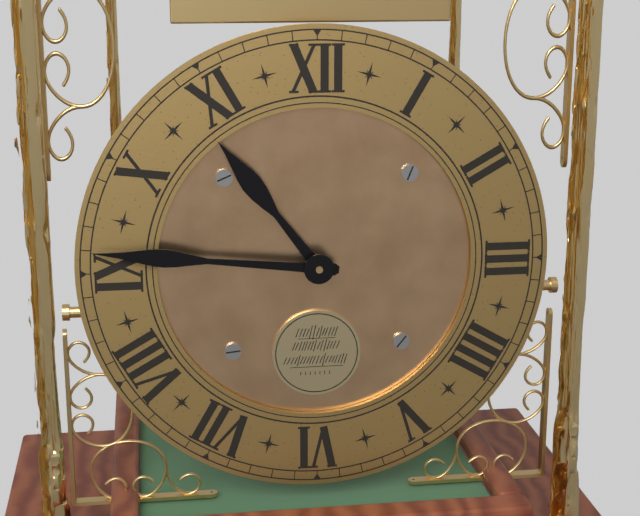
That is **10:46**
